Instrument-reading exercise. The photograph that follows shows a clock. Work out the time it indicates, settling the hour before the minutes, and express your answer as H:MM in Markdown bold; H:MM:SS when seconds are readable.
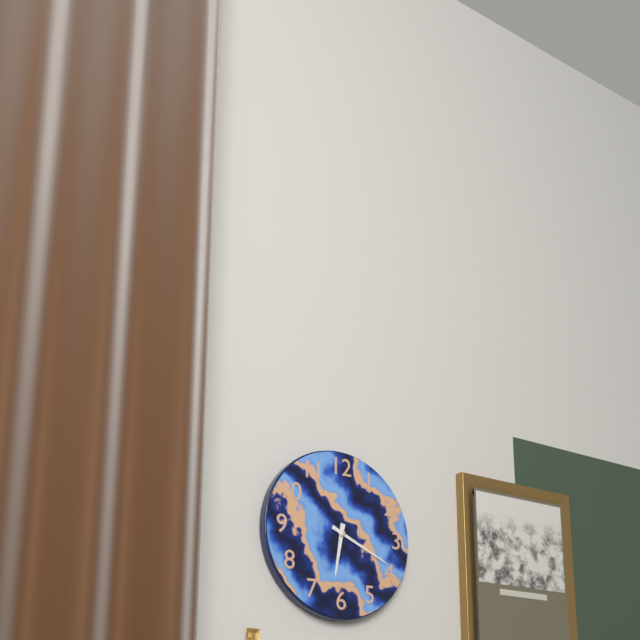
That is **6:19**
